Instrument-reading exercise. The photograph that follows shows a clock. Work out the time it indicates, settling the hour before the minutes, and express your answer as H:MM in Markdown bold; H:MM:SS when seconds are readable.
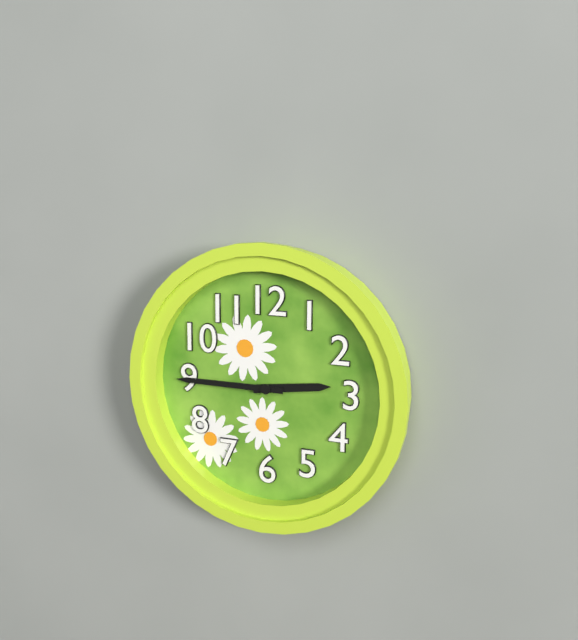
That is **2:45**
